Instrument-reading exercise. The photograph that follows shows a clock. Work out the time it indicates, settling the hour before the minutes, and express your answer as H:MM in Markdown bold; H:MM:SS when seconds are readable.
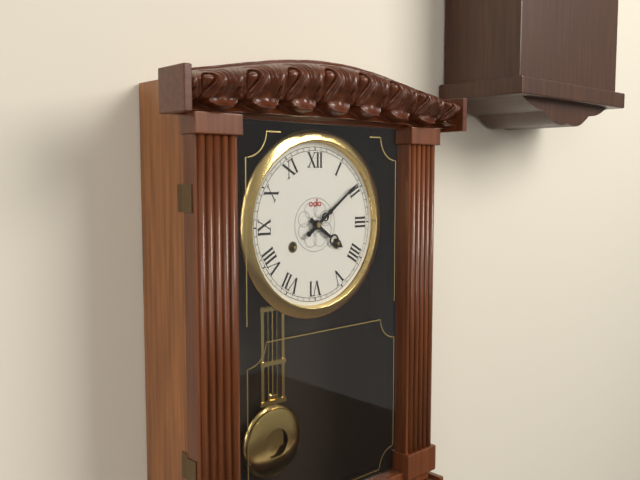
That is **4:09**
